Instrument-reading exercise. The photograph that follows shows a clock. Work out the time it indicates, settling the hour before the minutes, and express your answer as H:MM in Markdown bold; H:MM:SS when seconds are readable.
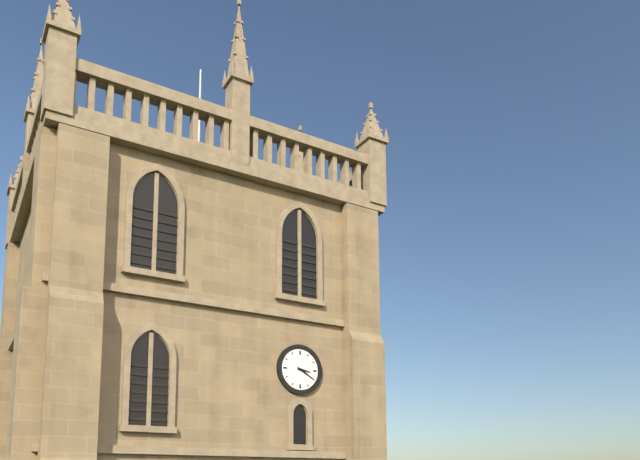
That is **3:20**
